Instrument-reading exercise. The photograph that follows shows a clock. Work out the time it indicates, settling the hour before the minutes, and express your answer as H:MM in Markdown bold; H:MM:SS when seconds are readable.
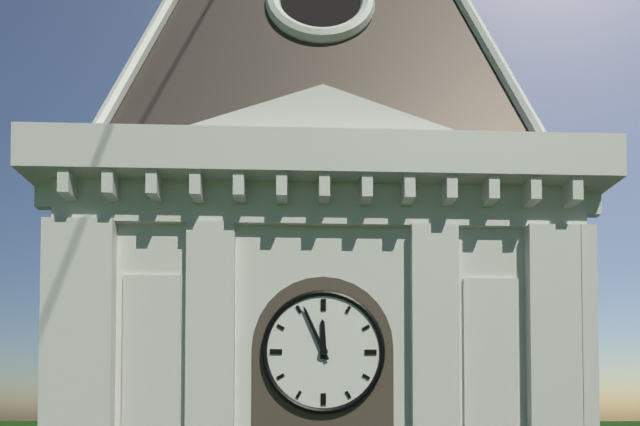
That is **11:56**
